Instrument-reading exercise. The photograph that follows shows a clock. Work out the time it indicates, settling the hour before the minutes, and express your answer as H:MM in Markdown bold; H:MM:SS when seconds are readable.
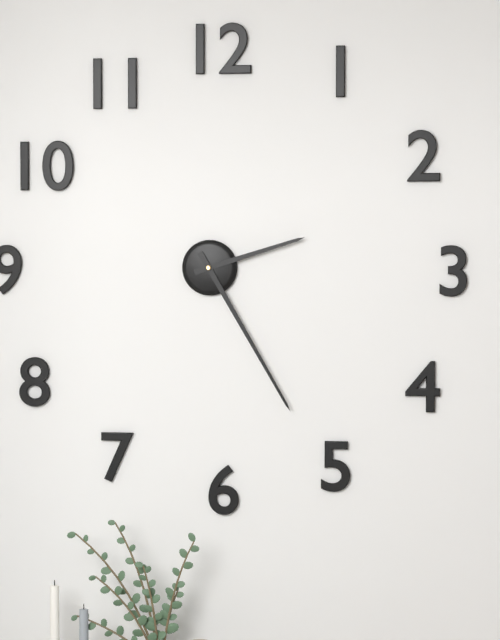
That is **2:25**
